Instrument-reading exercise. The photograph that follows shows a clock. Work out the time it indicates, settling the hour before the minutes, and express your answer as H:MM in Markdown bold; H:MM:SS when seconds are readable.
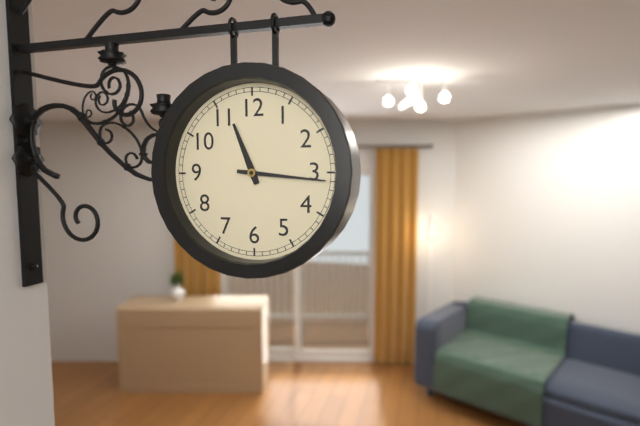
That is **11:16**
